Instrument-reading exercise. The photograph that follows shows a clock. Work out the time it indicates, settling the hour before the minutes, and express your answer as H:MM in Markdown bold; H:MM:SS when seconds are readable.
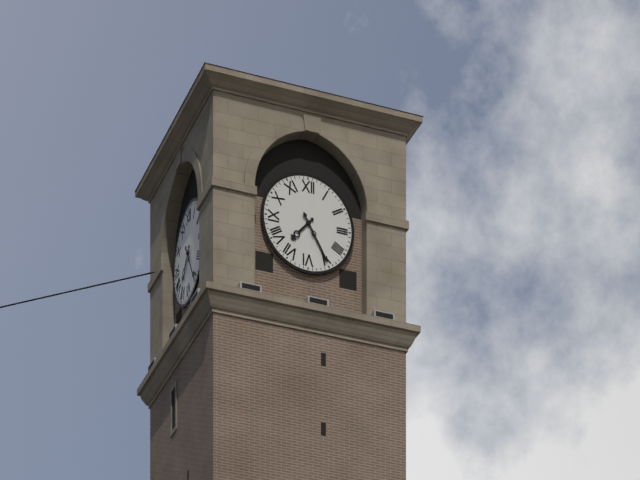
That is **7:25**
